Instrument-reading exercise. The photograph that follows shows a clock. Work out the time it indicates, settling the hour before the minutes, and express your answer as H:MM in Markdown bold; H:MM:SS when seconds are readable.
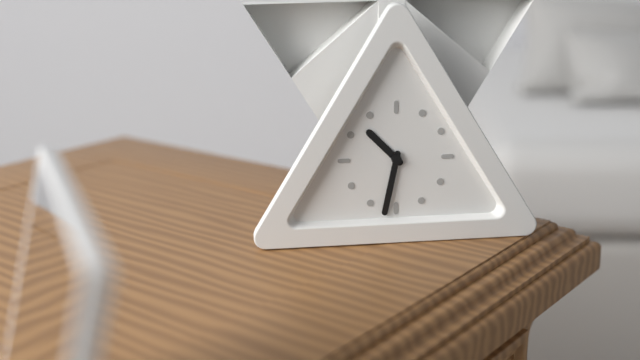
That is **10:32**
